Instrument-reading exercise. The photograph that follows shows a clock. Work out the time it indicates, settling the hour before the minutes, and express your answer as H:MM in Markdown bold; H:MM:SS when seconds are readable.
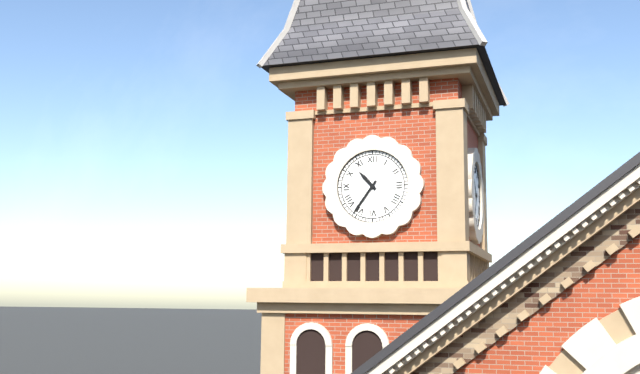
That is **10:36**
